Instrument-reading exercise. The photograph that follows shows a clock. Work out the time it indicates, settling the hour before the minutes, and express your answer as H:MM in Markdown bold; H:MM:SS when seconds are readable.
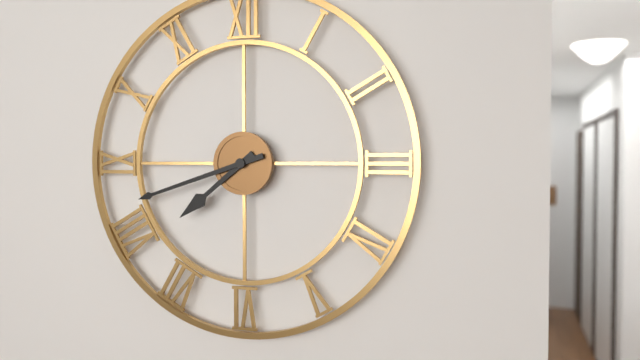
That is **7:42**
